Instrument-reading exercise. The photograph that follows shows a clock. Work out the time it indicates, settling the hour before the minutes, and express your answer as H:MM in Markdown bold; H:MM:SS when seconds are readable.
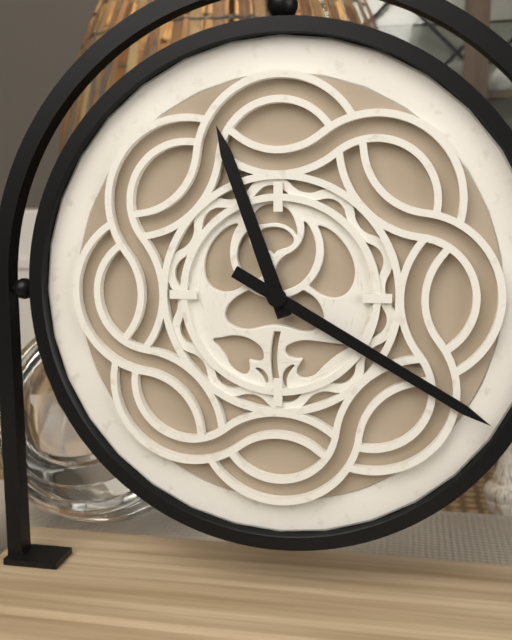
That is **11:20**
